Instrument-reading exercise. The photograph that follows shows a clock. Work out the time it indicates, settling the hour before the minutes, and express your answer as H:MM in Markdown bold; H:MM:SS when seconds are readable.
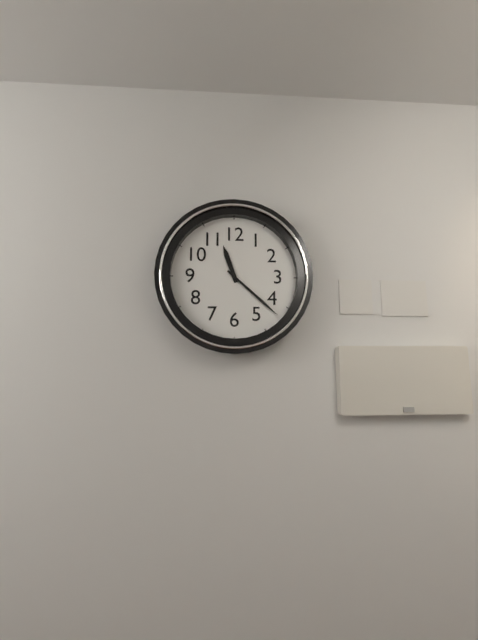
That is **11:22**
